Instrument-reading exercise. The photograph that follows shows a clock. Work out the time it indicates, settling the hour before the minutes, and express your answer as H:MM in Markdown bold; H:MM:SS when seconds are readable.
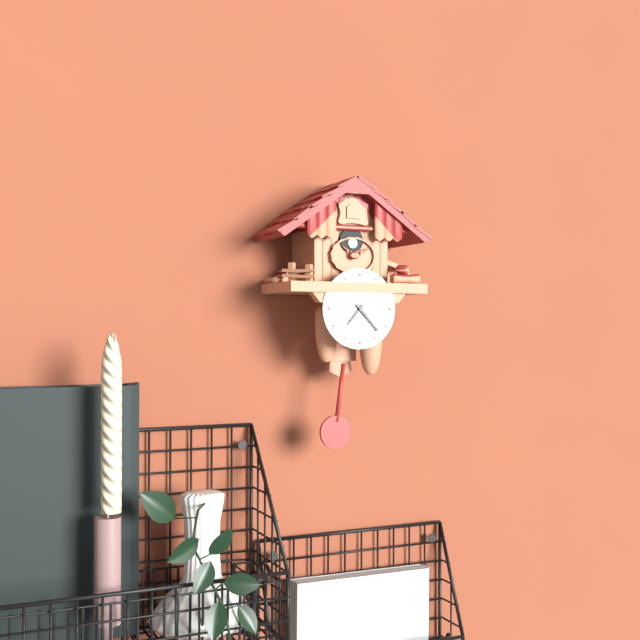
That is **7:23**
